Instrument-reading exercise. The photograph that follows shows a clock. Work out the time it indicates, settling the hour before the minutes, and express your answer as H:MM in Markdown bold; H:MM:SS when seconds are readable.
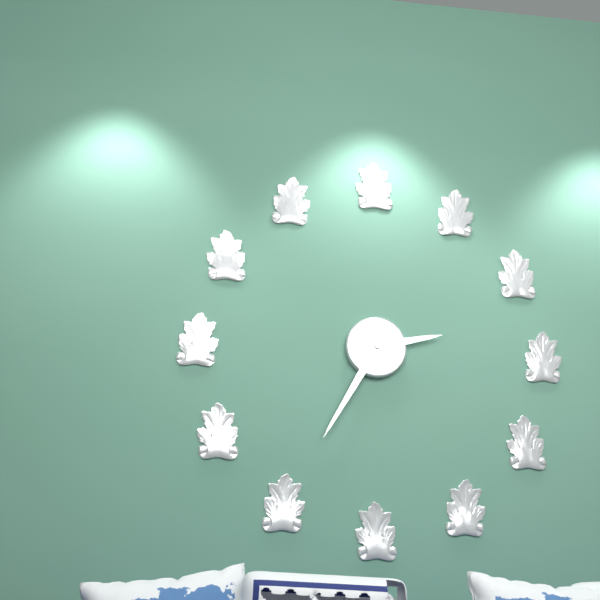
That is **2:35**
